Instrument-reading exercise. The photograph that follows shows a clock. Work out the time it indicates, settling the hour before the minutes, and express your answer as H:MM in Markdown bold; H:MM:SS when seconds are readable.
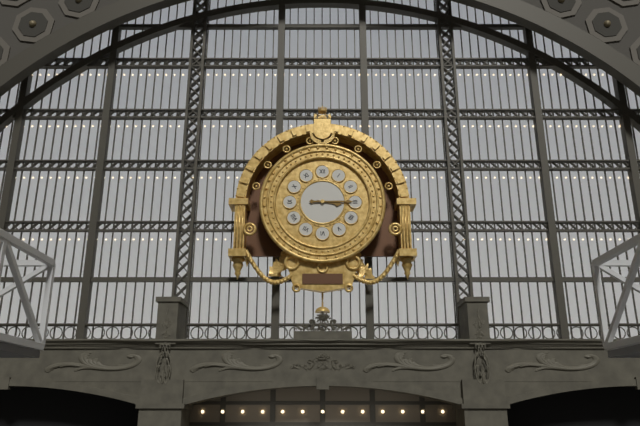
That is **3:15**
